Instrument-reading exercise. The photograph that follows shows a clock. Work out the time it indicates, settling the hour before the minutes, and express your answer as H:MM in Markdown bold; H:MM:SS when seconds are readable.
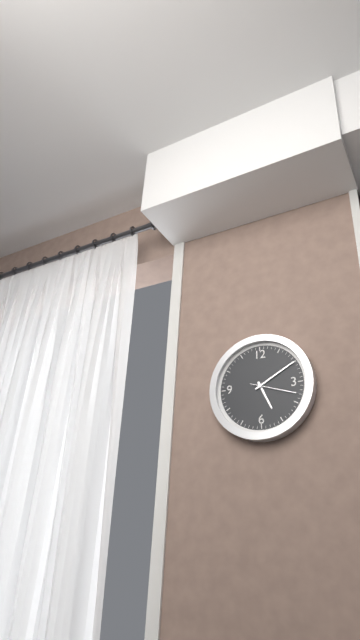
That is **5:10**
